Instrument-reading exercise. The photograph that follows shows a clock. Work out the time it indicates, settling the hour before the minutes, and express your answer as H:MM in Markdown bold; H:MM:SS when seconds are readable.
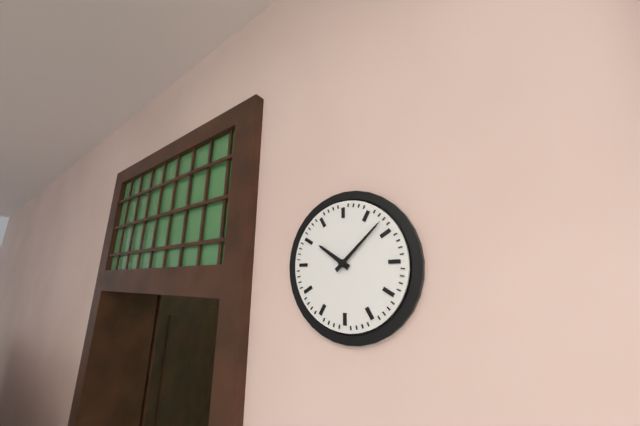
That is **10:08**
